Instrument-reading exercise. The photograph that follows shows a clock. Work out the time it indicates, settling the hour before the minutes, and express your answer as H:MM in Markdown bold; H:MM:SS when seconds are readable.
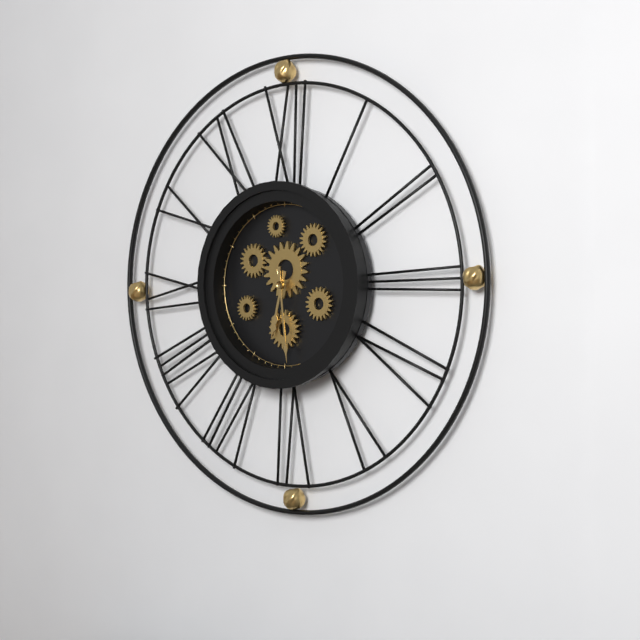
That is **6:29**
